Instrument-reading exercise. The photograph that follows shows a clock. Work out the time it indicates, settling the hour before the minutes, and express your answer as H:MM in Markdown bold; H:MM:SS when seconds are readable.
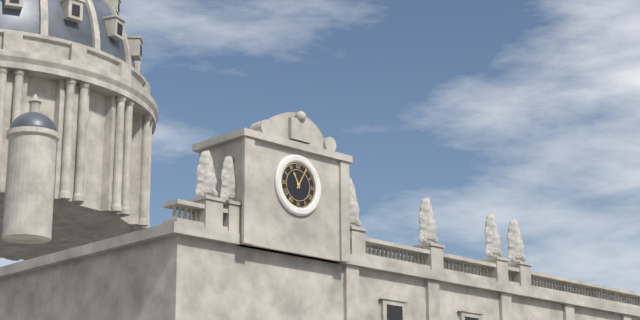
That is **11:05**
